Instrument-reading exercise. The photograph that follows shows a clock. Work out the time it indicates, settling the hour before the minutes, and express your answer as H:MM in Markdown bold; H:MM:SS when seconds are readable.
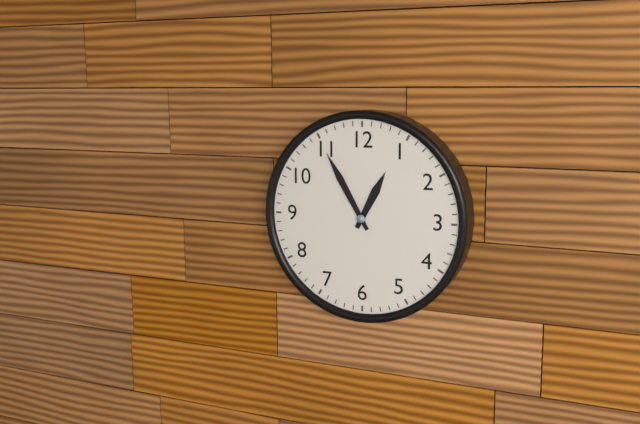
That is **12:55**
